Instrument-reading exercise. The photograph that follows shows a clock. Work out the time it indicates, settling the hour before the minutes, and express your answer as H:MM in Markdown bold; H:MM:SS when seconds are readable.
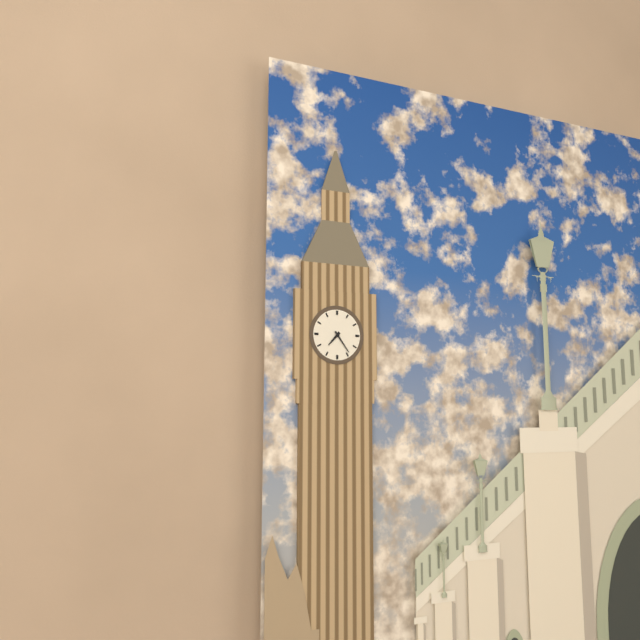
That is **7:24**
